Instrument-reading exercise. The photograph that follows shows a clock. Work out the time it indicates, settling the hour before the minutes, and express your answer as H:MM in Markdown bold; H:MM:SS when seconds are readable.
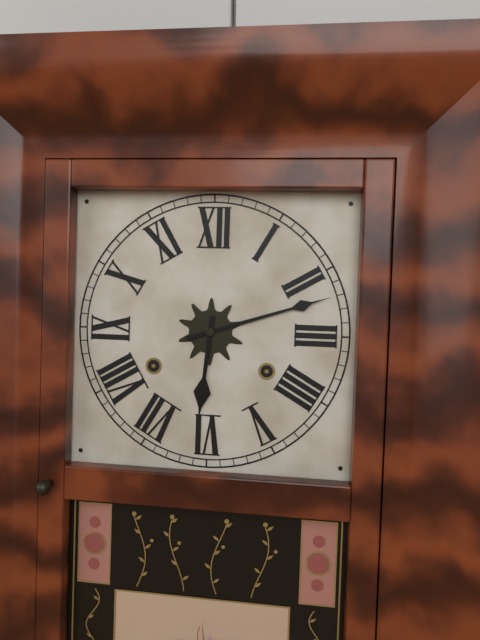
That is **6:12**
